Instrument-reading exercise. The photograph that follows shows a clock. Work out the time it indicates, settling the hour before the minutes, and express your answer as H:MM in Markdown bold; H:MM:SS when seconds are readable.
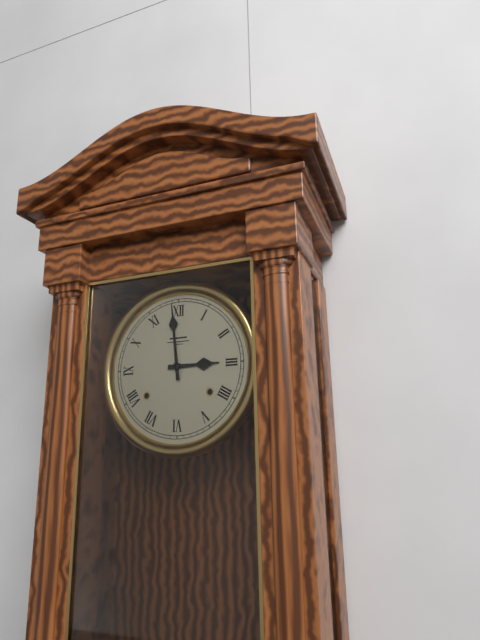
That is **2:59**
